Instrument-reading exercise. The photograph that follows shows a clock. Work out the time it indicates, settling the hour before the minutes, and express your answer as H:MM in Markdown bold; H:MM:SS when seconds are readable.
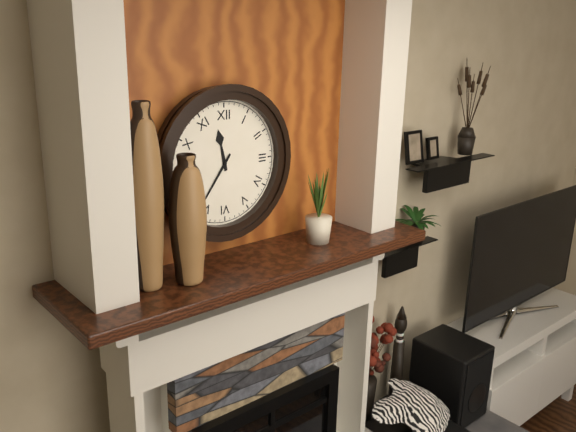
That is **11:36**
